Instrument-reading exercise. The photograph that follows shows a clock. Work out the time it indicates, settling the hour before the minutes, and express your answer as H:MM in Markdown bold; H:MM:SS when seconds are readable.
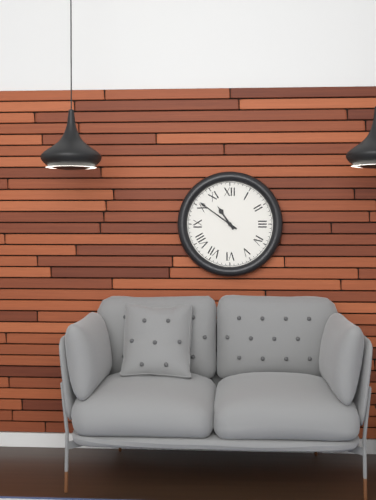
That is **10:51**
